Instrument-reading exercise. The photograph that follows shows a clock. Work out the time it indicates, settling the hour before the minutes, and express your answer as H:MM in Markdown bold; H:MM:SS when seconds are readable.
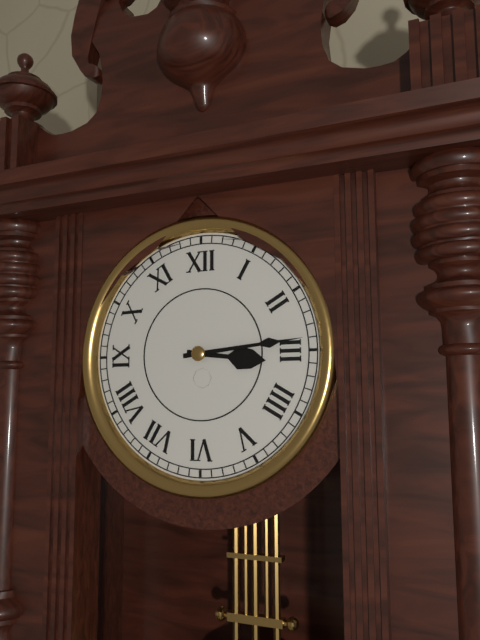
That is **3:14**
